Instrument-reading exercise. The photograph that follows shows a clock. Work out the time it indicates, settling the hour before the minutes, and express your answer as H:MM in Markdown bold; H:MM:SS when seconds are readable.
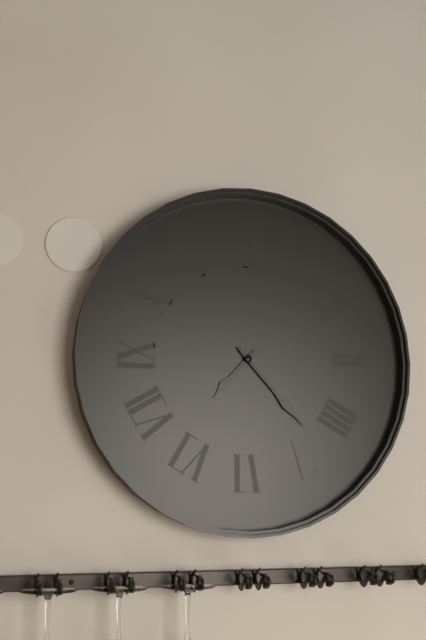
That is **7:23**
